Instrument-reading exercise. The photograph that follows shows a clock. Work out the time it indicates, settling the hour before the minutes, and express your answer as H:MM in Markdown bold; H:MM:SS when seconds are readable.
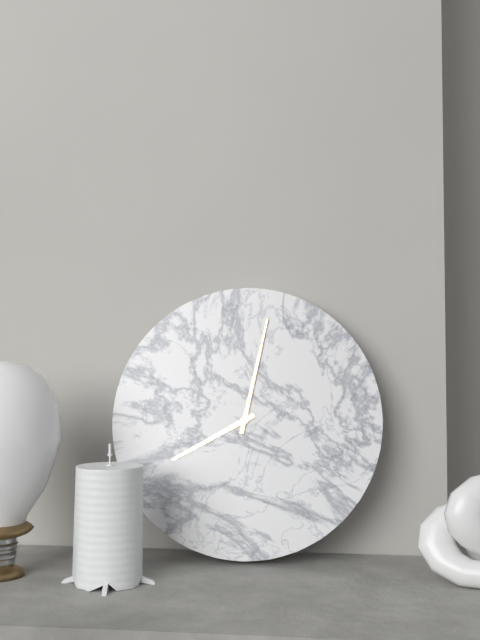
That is **8:02**
